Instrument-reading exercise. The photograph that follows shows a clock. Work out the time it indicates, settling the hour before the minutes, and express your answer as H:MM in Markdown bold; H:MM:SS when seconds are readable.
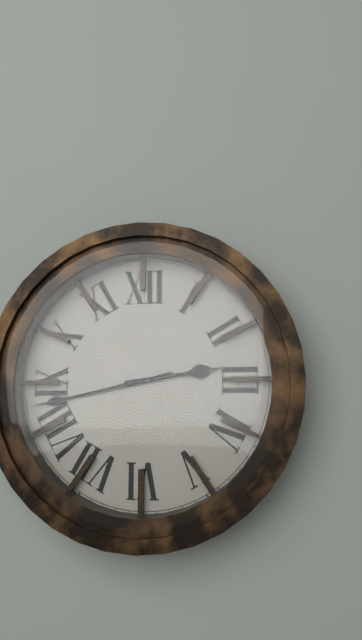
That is **2:43**
